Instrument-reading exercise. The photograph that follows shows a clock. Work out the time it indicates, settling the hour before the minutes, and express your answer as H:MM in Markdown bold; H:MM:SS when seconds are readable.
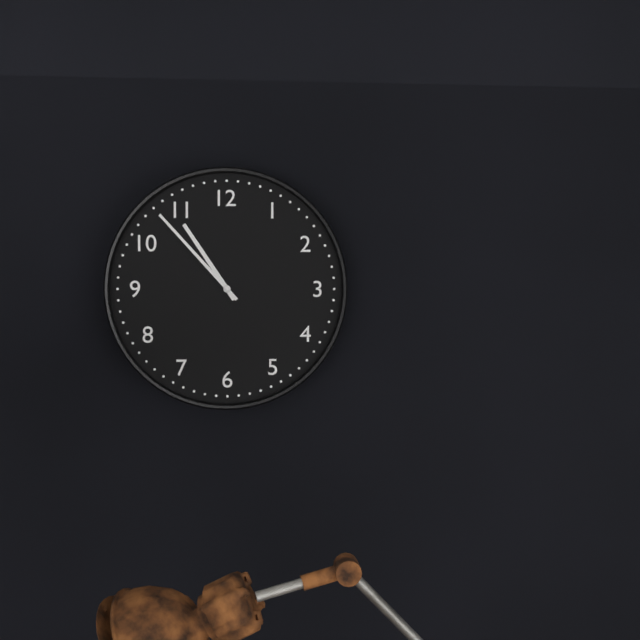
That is **10:53**
